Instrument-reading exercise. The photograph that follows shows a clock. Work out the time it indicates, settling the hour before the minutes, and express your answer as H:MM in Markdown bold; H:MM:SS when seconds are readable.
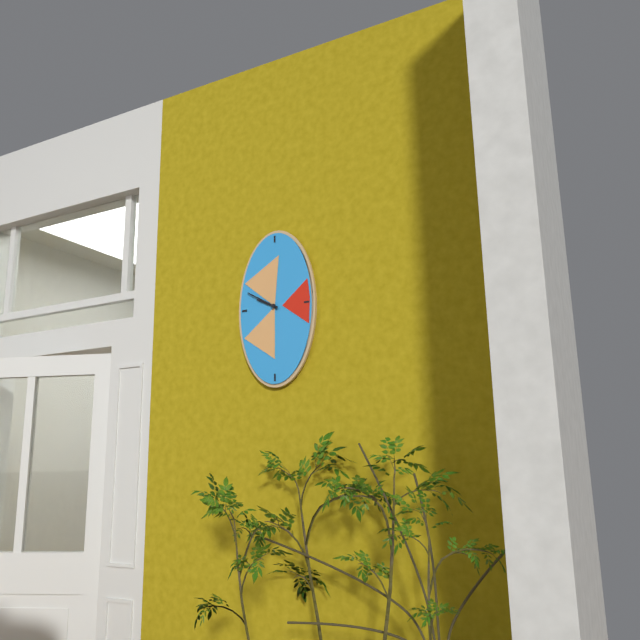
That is **9:50**
